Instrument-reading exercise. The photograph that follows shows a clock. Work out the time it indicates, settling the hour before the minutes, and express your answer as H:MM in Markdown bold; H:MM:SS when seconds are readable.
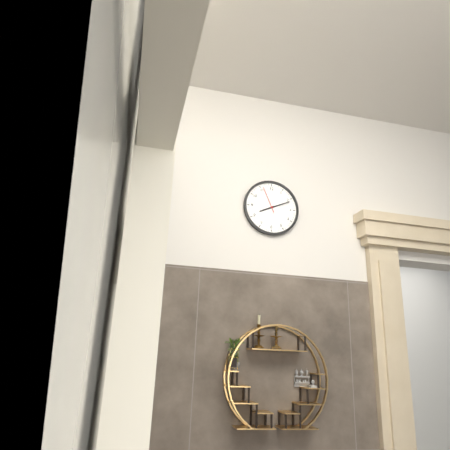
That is **8:11**
